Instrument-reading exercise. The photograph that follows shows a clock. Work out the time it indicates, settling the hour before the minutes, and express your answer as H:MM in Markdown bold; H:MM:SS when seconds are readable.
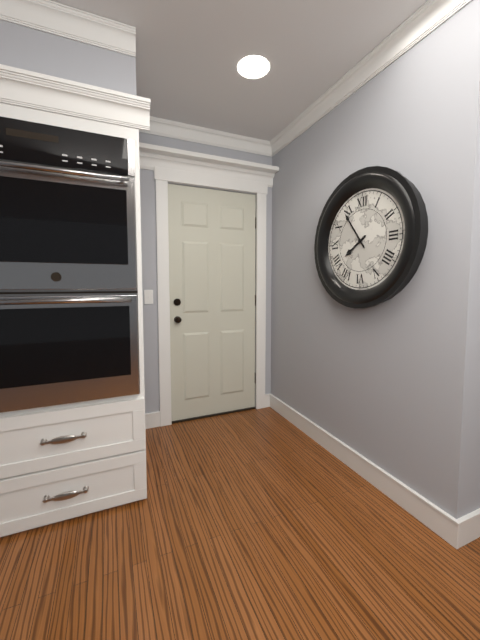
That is **7:54**
